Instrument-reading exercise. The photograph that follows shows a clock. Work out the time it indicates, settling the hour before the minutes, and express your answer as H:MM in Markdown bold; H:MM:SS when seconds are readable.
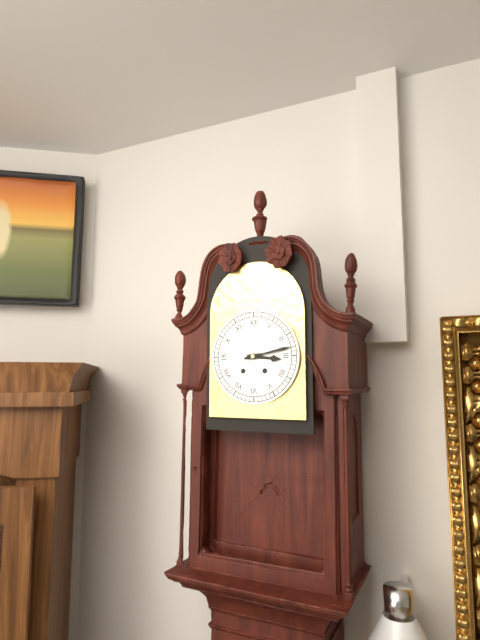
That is **3:13**
